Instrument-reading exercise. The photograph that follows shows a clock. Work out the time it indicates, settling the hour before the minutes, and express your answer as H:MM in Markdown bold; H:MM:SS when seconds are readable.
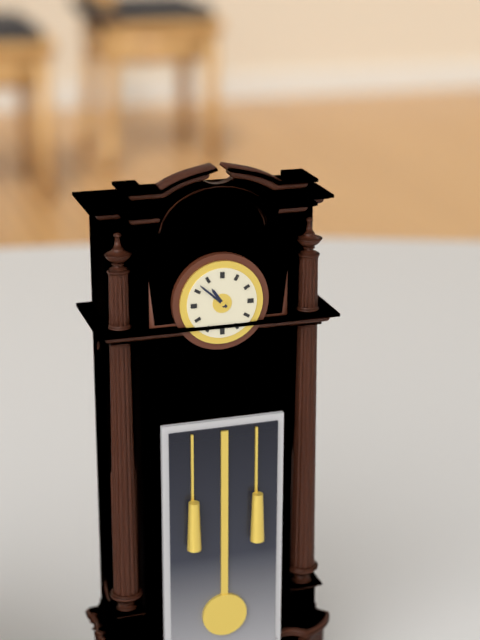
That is **10:52**
